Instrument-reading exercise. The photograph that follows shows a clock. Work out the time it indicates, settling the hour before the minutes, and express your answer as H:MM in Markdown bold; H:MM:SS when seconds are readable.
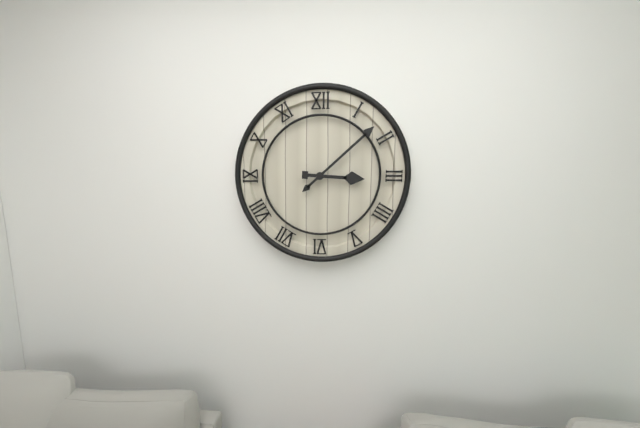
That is **3:08**
